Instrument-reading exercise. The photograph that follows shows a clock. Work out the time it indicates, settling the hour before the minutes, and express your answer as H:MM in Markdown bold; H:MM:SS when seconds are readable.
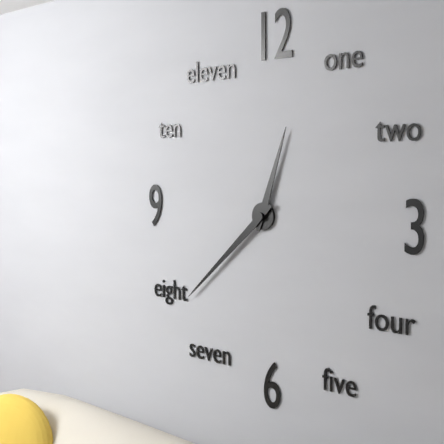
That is **12:38**
